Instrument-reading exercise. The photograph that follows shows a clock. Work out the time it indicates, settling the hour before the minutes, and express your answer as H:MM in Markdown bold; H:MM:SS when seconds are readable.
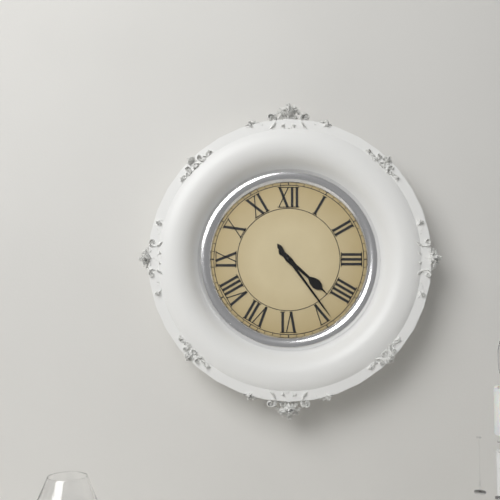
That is **4:24**
